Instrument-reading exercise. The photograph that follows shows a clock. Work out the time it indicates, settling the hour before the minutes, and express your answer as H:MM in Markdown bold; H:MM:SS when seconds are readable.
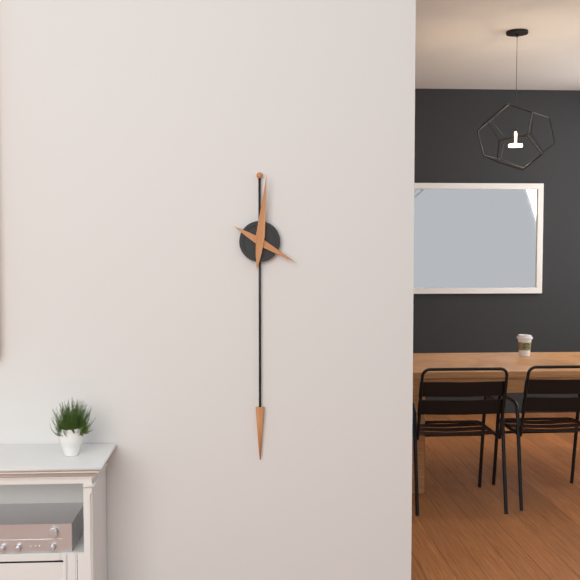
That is **4:01**
